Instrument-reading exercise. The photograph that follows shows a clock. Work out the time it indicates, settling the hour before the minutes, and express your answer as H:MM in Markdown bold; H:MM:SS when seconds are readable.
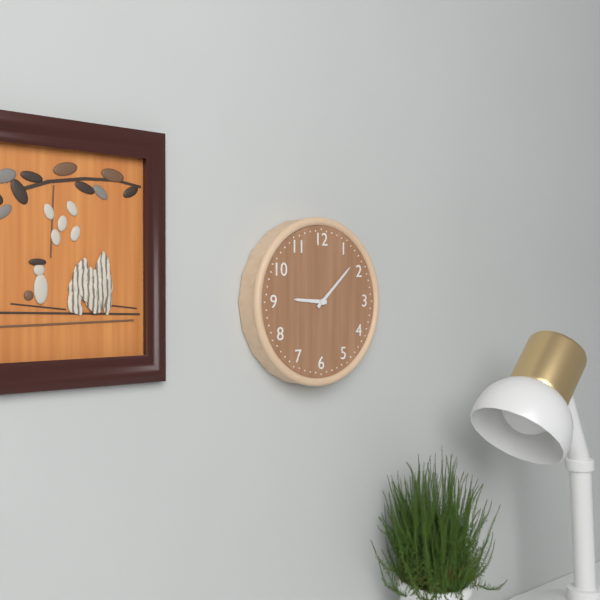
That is **9:08**
